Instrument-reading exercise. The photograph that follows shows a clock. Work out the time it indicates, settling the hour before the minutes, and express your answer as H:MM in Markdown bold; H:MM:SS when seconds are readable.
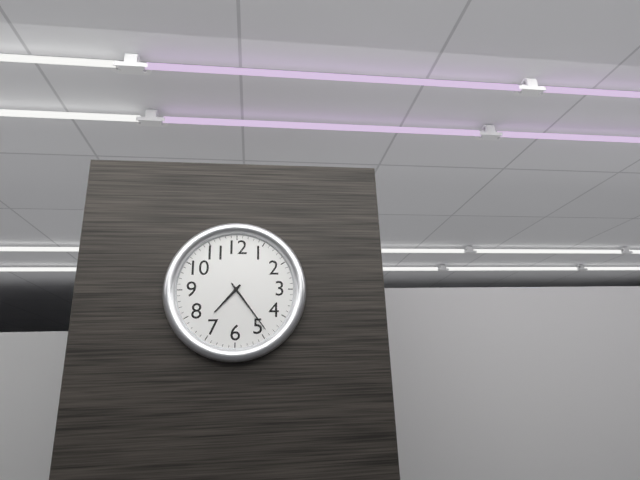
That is **7:24**
